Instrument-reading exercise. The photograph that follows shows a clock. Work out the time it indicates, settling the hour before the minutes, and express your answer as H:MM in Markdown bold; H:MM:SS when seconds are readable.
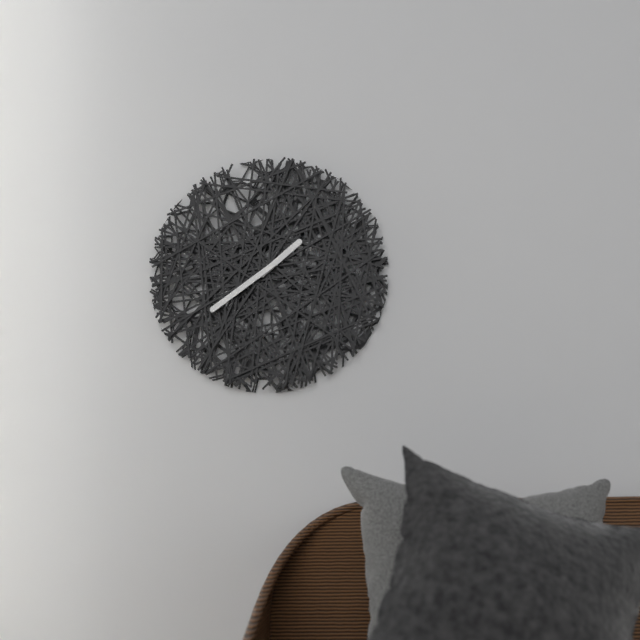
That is **1:39**
